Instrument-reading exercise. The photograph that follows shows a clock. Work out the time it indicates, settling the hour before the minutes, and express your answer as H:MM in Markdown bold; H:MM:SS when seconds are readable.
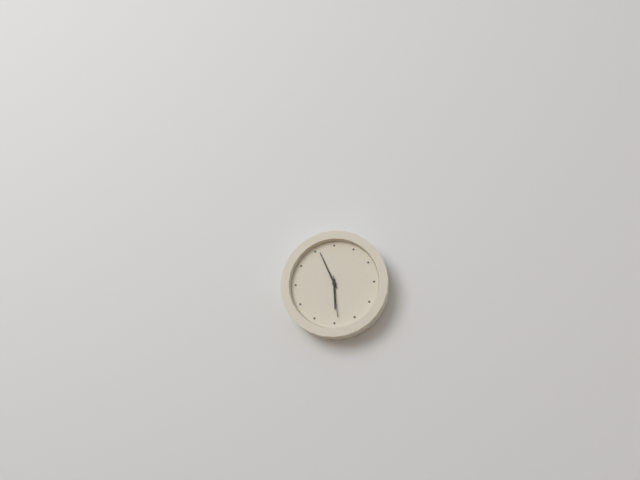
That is **5:56**
